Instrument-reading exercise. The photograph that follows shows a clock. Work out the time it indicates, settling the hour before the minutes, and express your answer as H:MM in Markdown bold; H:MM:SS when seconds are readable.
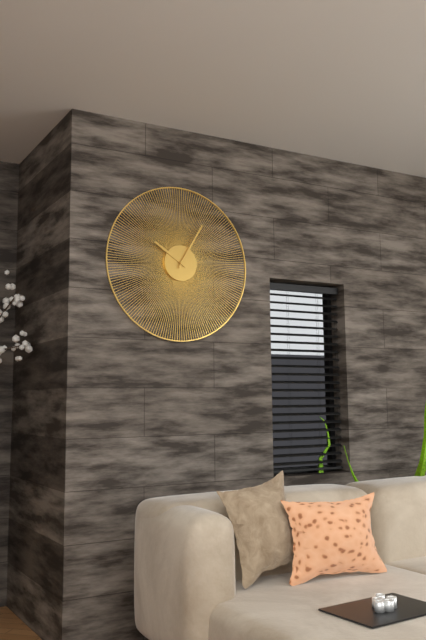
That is **10:05**
